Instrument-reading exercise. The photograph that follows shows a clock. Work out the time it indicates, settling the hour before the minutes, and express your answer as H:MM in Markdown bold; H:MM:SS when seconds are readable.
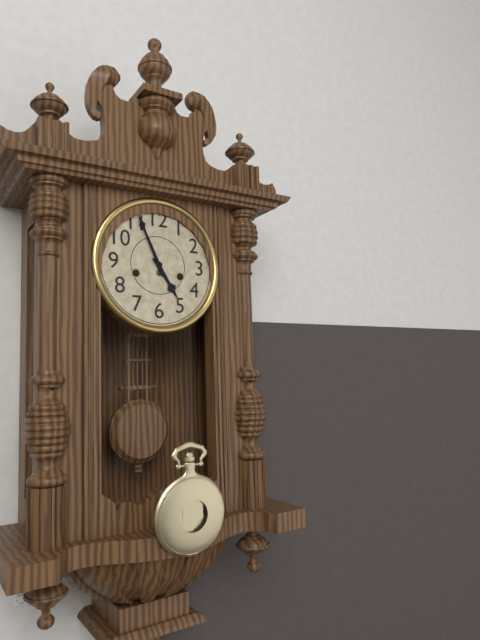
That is **4:56**
